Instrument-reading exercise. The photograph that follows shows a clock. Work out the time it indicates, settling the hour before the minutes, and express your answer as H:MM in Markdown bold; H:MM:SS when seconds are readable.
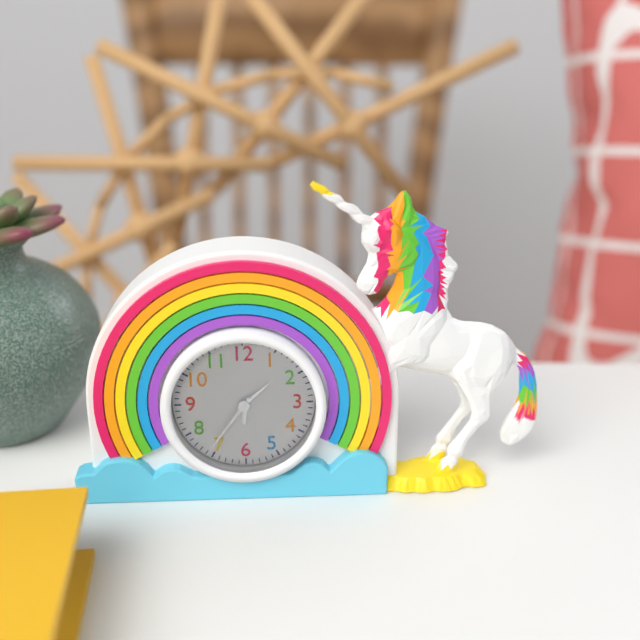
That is **1:36**
